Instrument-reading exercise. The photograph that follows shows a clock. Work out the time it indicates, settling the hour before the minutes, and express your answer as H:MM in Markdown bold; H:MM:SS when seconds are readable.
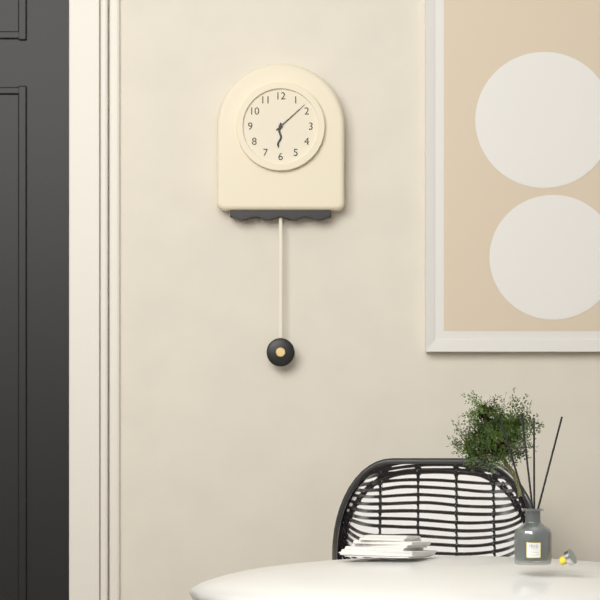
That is **6:08**
